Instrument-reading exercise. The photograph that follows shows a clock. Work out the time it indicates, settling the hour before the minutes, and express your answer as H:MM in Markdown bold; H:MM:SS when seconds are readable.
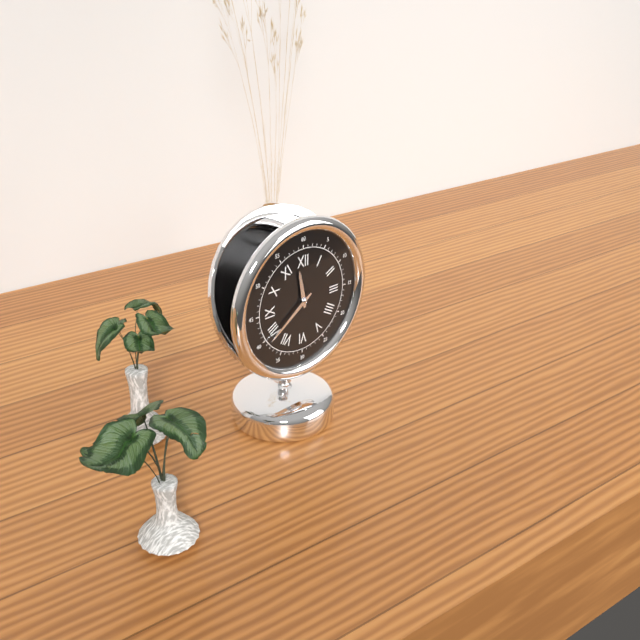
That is **11:39**
